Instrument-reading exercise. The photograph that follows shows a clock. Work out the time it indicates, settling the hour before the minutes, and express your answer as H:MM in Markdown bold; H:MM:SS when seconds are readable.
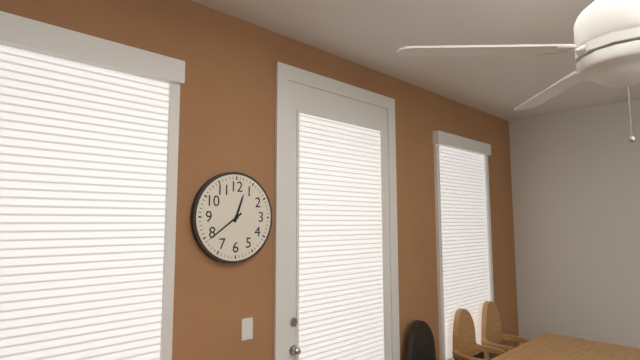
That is **12:39**
